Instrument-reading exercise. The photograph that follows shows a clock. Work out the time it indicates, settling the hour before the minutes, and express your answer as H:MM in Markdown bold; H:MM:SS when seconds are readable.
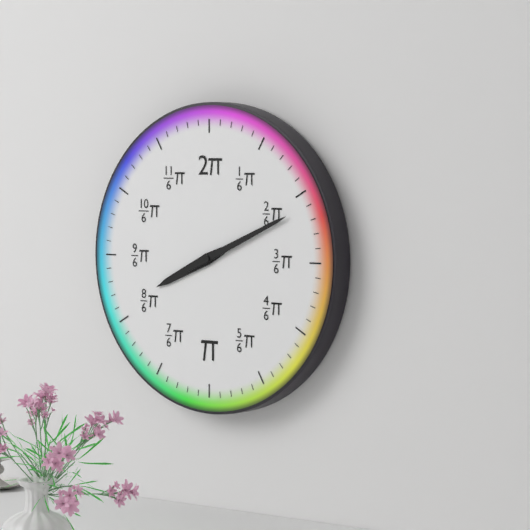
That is **8:11**
